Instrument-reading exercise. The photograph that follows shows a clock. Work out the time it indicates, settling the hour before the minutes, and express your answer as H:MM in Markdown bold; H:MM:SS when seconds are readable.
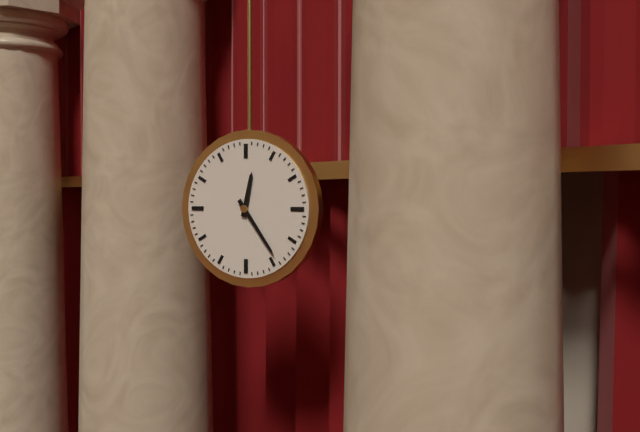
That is **12:24**
